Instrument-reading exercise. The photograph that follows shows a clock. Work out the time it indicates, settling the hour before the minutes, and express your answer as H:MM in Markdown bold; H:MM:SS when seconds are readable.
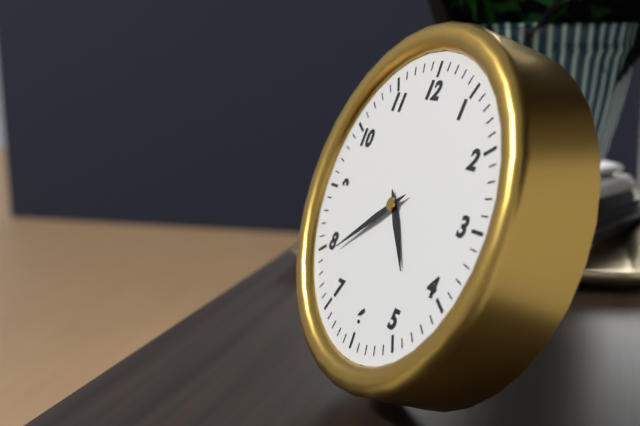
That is **4:39**
